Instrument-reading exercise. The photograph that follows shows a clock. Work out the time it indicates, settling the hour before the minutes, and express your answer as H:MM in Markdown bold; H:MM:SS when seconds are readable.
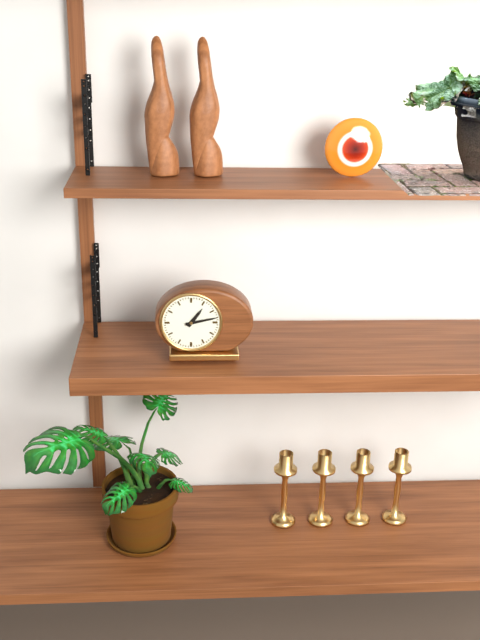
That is **1:13**
